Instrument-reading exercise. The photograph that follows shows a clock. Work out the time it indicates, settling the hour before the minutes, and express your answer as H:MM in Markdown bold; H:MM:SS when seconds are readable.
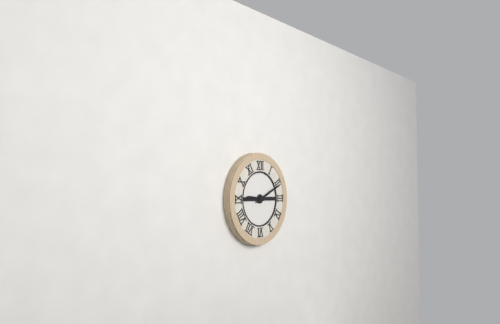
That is **9:11**
